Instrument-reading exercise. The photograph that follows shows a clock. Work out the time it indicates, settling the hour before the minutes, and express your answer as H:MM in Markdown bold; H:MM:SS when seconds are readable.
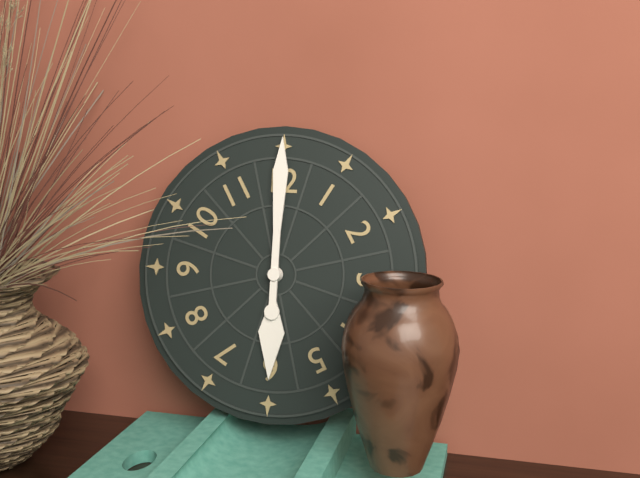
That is **6:00**
